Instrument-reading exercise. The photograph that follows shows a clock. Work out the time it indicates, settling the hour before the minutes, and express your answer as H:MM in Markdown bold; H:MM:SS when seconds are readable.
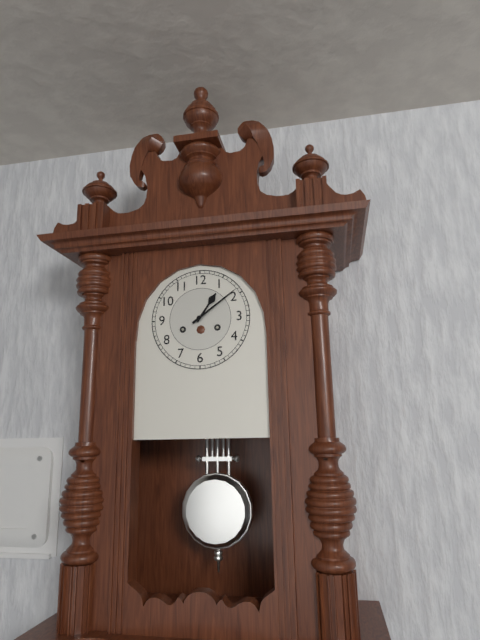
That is **1:09**
